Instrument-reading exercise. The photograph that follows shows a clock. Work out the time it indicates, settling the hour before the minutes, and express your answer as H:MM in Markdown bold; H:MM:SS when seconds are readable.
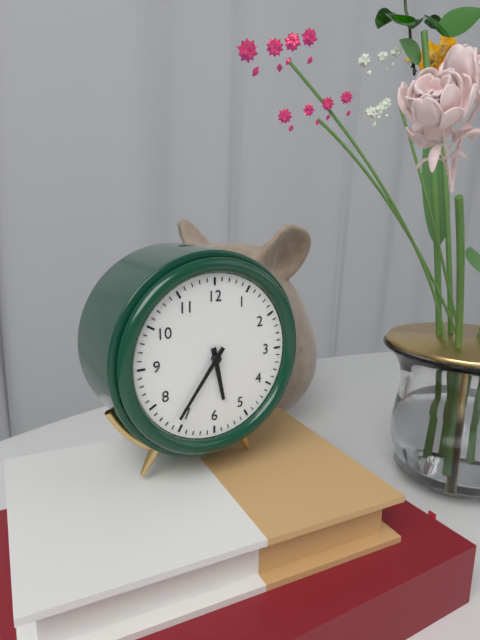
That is **5:36**
